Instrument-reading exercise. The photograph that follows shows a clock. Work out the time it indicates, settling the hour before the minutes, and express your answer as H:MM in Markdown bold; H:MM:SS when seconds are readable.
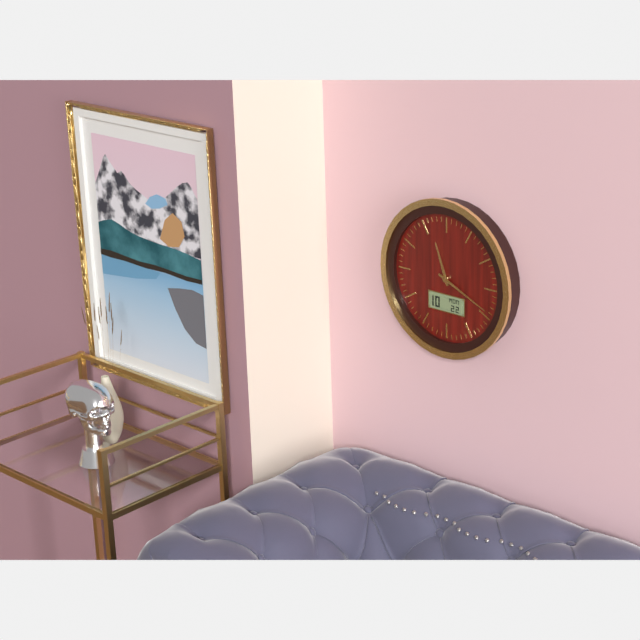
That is **11:19**
